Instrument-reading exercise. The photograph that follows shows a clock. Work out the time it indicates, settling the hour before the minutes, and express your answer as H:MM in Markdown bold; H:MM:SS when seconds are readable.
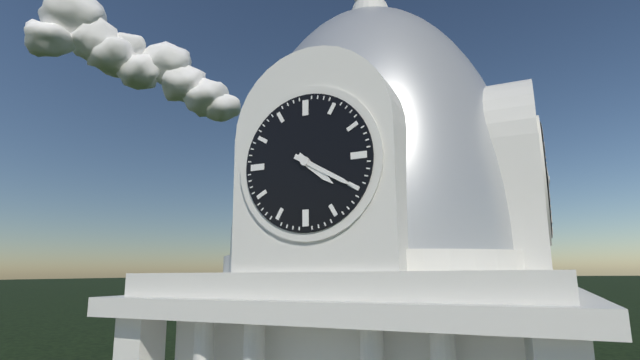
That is **4:20**
